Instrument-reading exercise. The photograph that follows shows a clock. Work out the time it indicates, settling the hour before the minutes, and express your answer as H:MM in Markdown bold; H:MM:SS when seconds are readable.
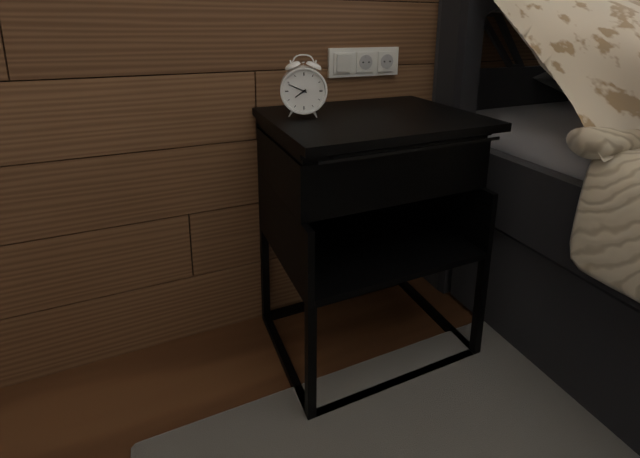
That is **7:49**
